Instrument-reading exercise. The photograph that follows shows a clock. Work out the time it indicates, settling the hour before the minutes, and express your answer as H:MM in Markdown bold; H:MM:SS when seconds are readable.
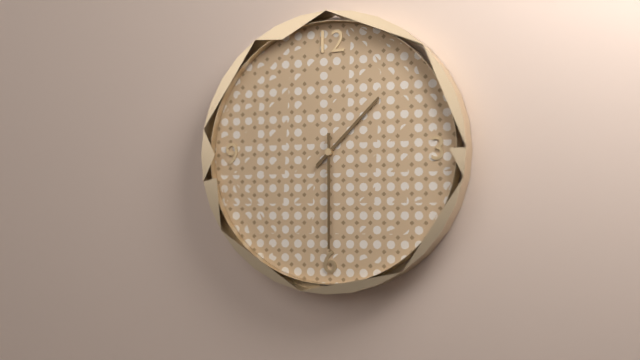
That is **1:30**
